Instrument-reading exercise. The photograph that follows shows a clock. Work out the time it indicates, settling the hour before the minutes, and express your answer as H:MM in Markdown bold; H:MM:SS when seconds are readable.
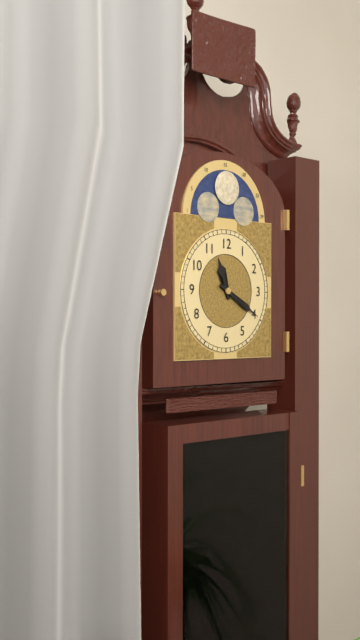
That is **11:20**
